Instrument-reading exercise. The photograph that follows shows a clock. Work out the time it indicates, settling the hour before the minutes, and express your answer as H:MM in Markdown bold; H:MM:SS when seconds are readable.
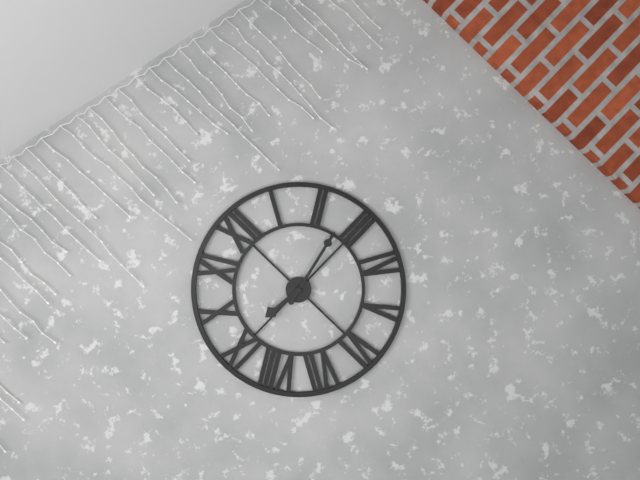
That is **9:13**
